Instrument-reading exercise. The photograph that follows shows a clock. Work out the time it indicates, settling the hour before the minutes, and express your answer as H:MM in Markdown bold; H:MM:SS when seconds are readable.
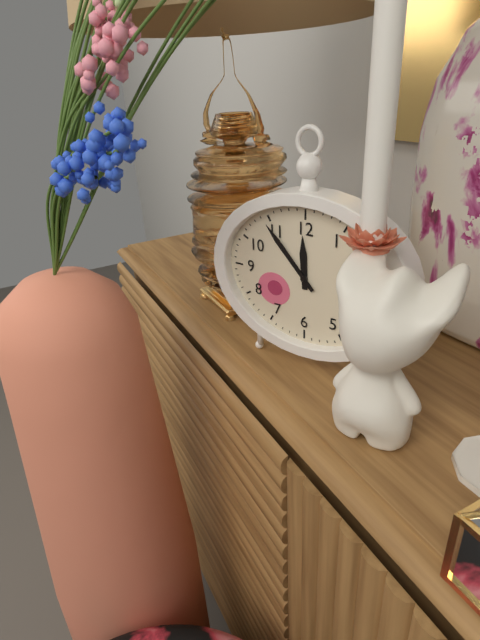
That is **11:53**
